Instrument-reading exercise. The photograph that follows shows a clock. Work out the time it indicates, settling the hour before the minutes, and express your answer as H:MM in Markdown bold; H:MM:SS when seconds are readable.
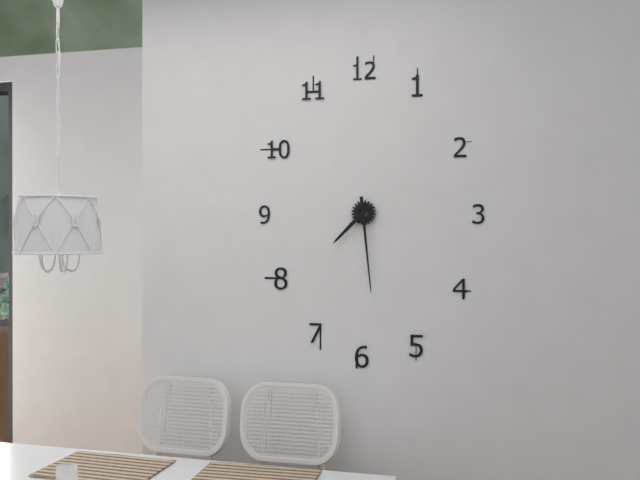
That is **7:29**
